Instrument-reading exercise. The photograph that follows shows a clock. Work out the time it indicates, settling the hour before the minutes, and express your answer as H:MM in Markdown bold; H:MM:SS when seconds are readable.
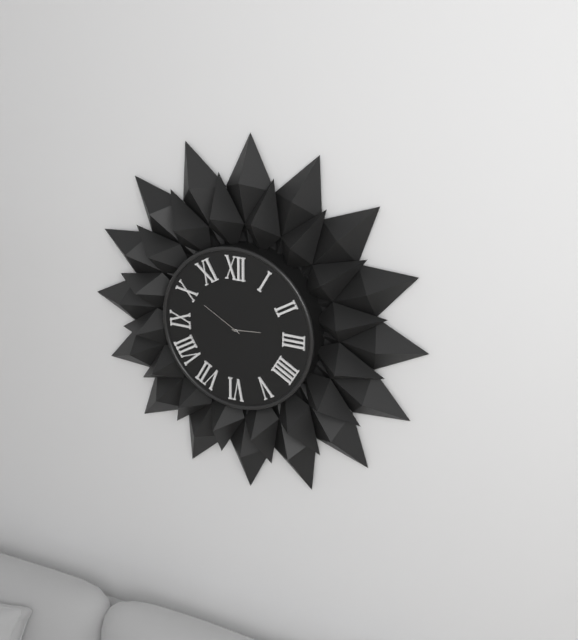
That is **2:50**
